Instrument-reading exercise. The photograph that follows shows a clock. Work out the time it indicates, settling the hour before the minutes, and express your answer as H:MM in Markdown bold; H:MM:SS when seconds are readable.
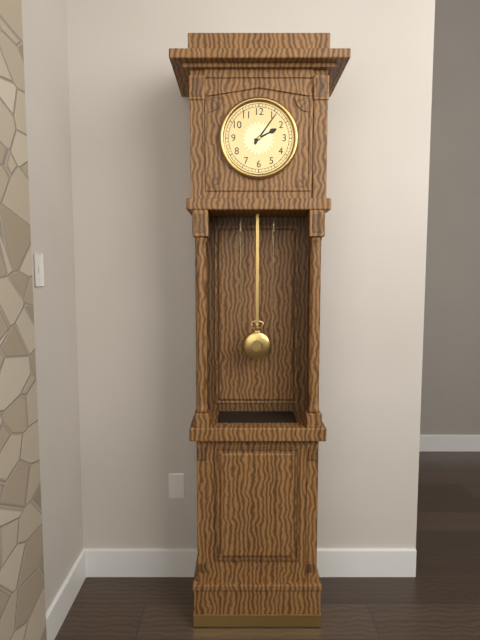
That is **2:06**
